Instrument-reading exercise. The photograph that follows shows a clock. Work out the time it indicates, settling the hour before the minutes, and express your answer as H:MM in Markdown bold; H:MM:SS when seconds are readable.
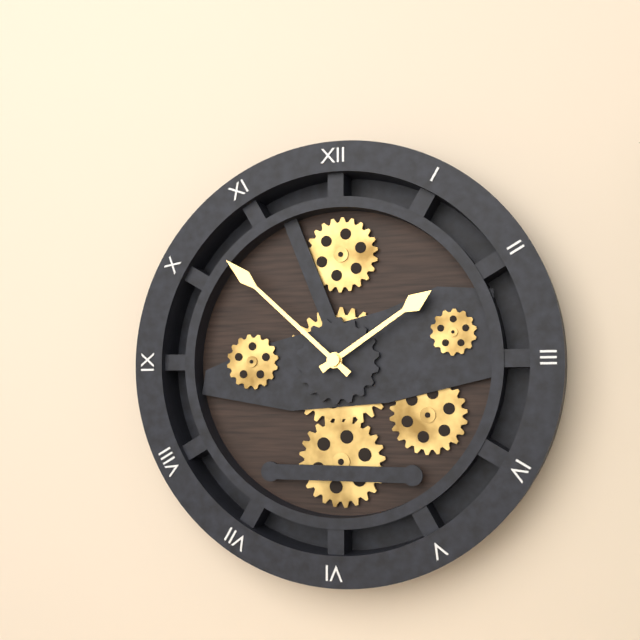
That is **1:52**
